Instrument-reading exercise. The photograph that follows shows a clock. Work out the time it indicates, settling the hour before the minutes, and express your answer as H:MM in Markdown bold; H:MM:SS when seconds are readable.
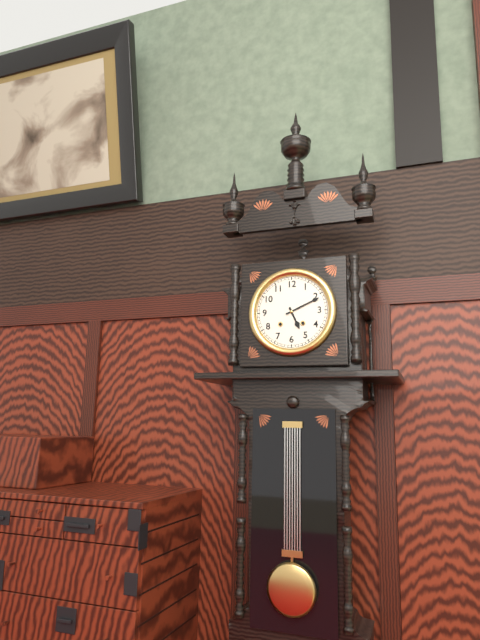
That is **5:11**
